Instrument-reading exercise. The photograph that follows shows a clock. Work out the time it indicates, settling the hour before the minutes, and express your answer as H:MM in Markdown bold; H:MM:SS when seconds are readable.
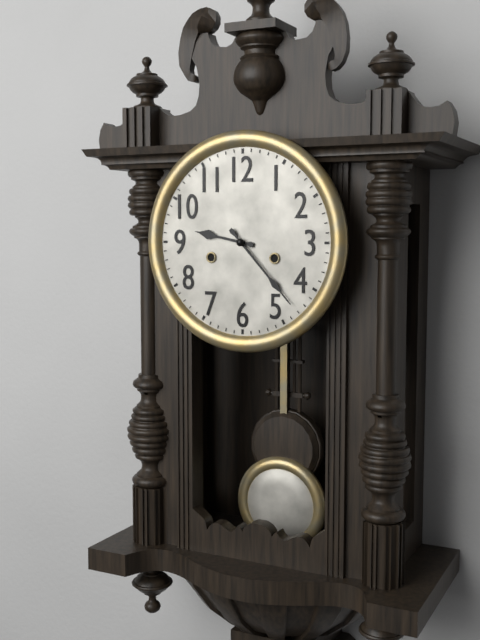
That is **9:23**
